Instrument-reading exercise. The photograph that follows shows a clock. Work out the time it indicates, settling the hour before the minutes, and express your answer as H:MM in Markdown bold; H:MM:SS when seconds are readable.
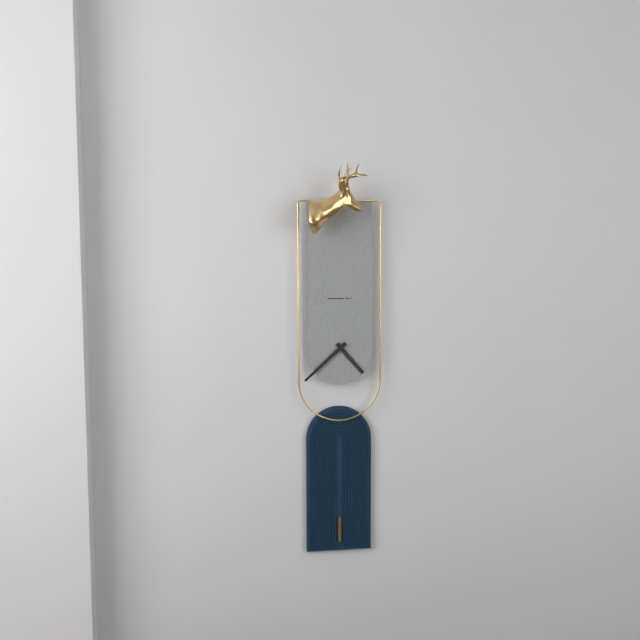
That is **4:38**
